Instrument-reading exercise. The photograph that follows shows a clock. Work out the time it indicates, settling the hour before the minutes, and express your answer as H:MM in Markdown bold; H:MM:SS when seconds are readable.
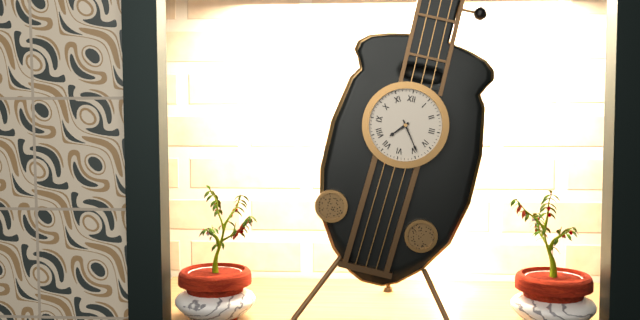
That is **7:24**
